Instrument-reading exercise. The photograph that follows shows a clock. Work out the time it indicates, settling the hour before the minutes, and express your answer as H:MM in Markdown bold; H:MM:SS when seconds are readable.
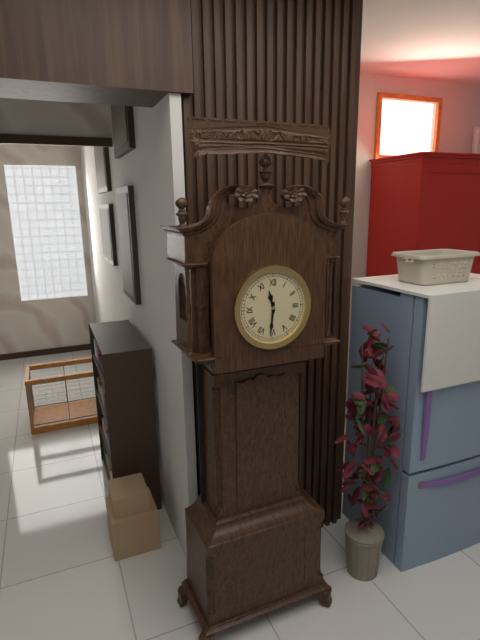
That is **11:31**
